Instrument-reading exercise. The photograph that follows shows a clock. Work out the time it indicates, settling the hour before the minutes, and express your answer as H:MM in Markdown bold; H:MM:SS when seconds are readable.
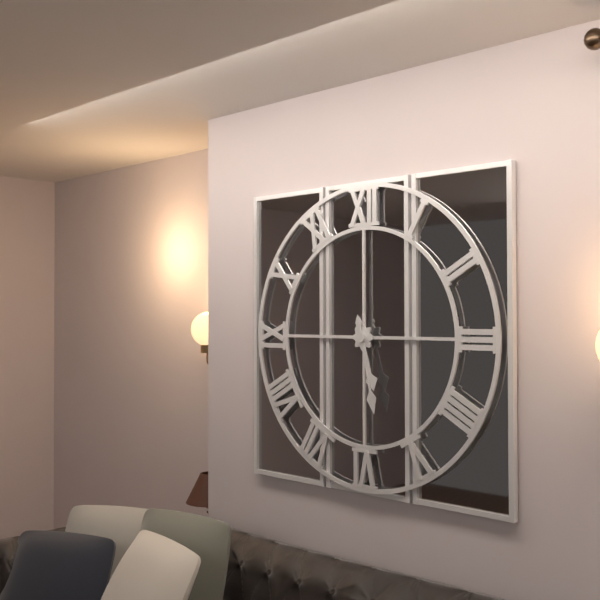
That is **5:28**
